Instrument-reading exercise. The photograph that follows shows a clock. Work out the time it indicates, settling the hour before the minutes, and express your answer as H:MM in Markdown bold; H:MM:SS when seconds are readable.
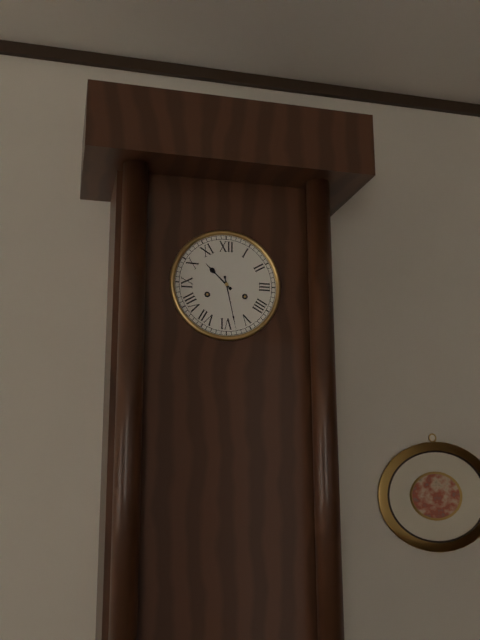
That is **10:28**
